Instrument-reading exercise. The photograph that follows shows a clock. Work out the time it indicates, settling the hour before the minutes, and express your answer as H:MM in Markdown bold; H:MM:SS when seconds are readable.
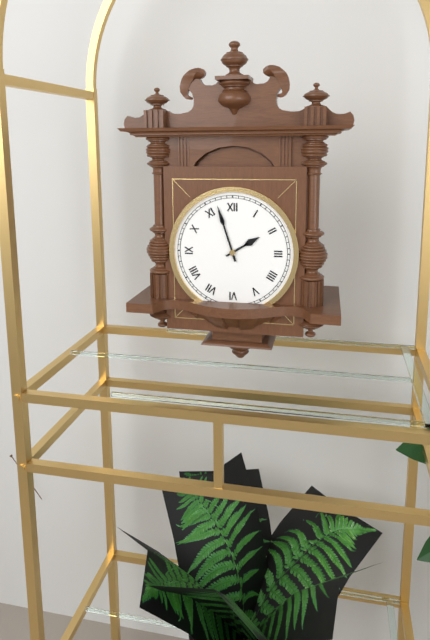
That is **1:57**
